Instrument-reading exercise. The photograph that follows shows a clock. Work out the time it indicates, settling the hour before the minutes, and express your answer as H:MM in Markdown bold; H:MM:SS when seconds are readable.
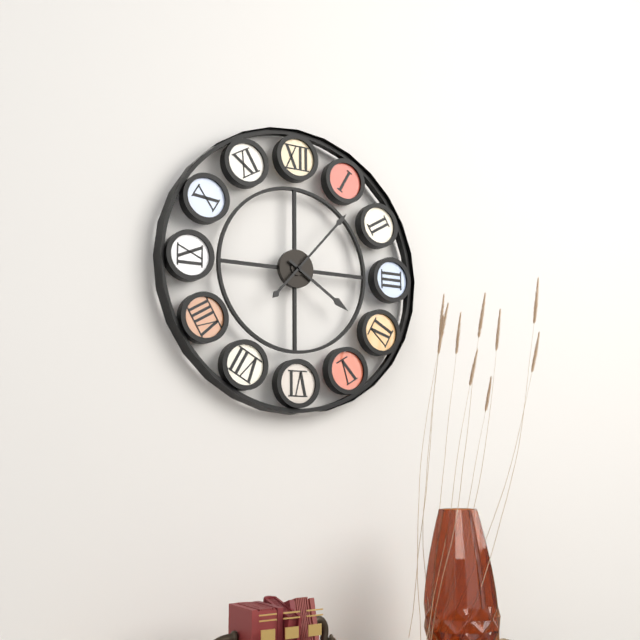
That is **4:07**
